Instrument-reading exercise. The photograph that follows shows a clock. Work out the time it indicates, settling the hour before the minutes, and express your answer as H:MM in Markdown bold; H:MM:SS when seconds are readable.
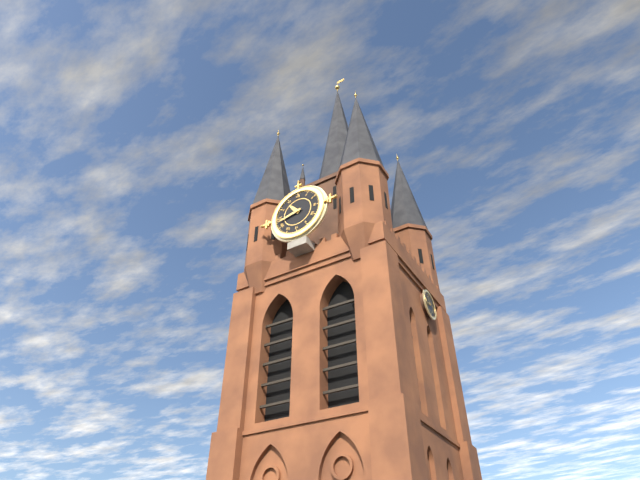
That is **10:43**
